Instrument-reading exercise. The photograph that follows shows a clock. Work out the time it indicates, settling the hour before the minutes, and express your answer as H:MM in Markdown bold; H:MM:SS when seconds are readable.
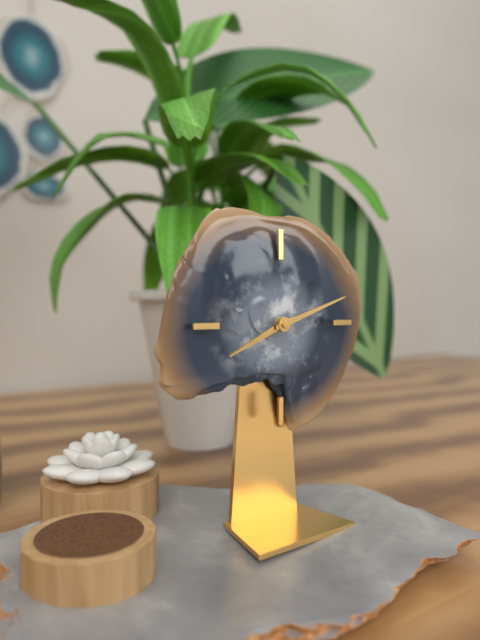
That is **8:12**
